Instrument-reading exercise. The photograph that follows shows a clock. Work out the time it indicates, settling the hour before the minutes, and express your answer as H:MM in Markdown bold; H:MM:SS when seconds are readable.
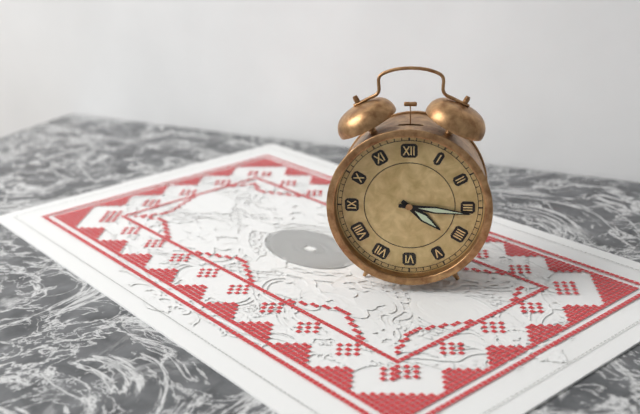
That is **4:16**
